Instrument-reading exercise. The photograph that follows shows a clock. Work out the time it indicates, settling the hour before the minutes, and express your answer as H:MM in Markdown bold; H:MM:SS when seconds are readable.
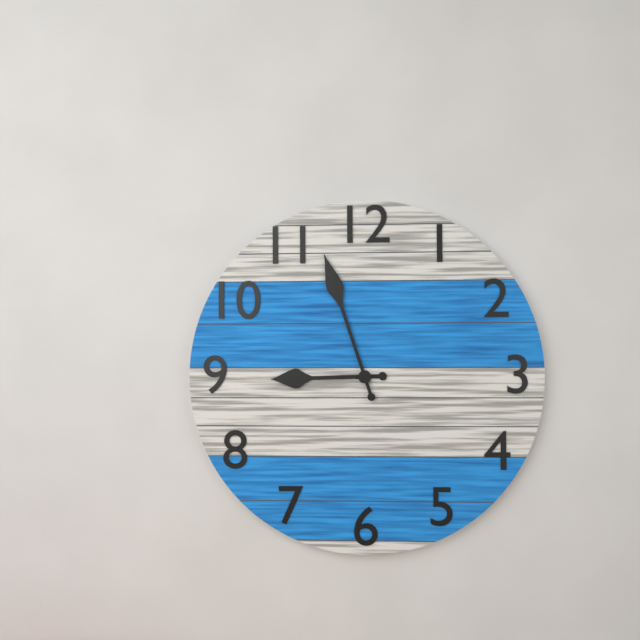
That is **8:57**
